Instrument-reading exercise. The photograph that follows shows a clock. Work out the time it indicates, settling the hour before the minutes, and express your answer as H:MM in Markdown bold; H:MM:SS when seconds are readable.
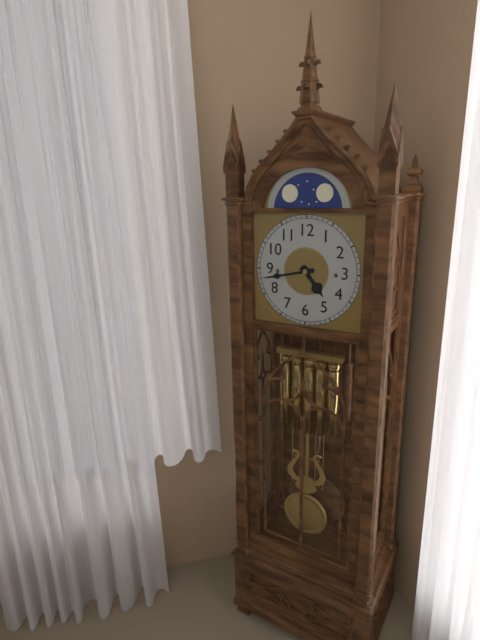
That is **4:43**
